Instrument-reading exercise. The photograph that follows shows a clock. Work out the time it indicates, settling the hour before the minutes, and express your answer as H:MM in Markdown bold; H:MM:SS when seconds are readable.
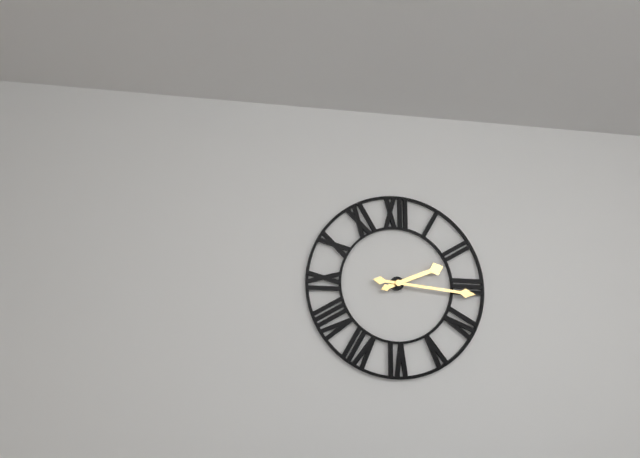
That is **2:16**
